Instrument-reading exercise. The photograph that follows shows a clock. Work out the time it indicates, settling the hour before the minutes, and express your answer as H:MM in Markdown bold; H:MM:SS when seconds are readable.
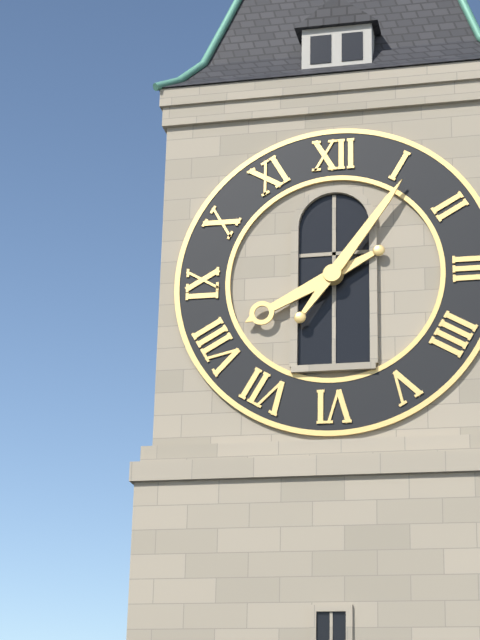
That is **8:06**
